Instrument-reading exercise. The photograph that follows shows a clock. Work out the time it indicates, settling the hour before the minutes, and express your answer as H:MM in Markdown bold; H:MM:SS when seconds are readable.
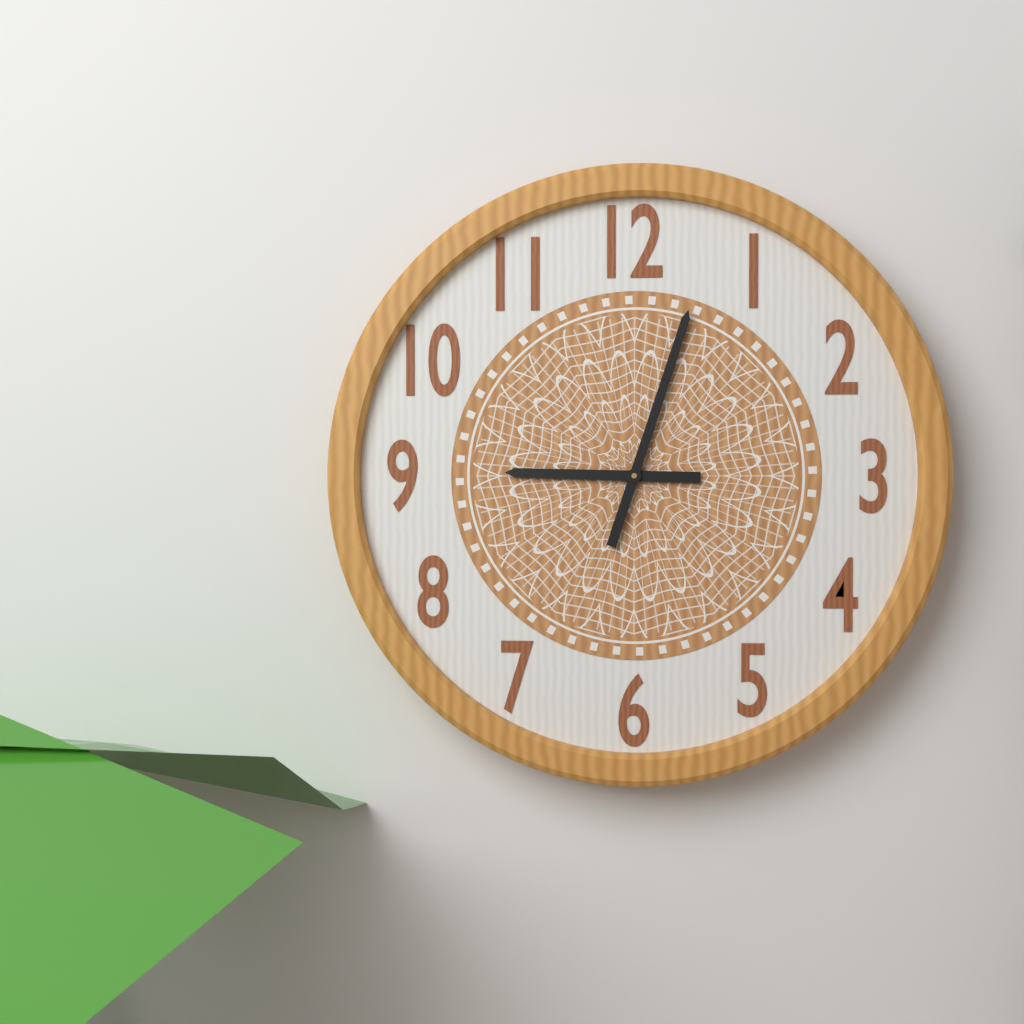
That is **9:03**
